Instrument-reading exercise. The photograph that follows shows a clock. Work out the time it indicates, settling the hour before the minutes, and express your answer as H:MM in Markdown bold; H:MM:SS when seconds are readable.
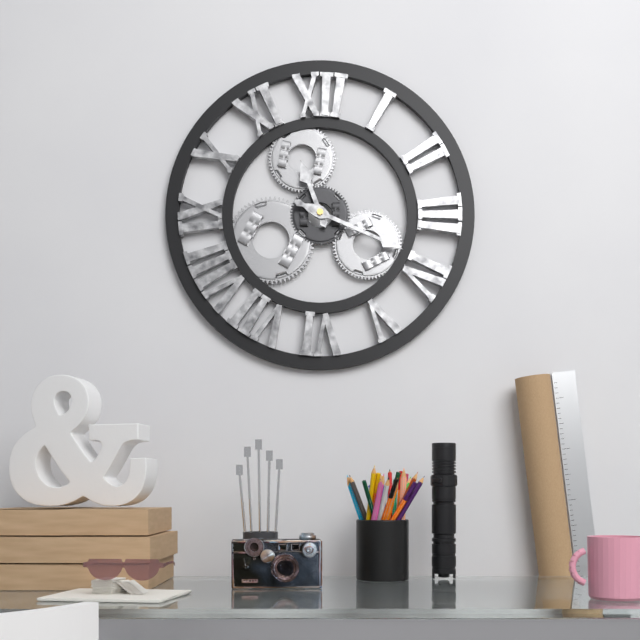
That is **11:19**
